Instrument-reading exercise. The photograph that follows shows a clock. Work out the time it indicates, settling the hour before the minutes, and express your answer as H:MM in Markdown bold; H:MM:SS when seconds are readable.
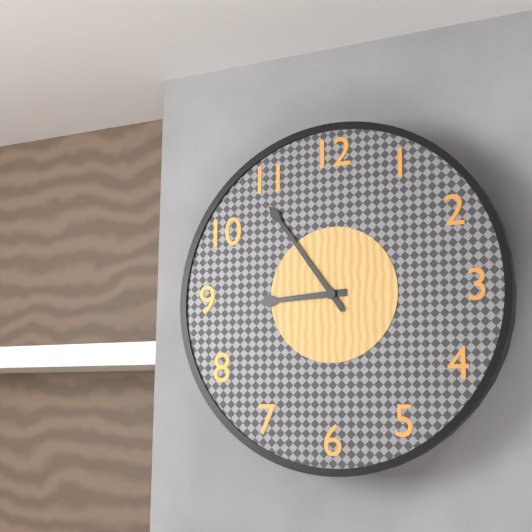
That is **8:54**
